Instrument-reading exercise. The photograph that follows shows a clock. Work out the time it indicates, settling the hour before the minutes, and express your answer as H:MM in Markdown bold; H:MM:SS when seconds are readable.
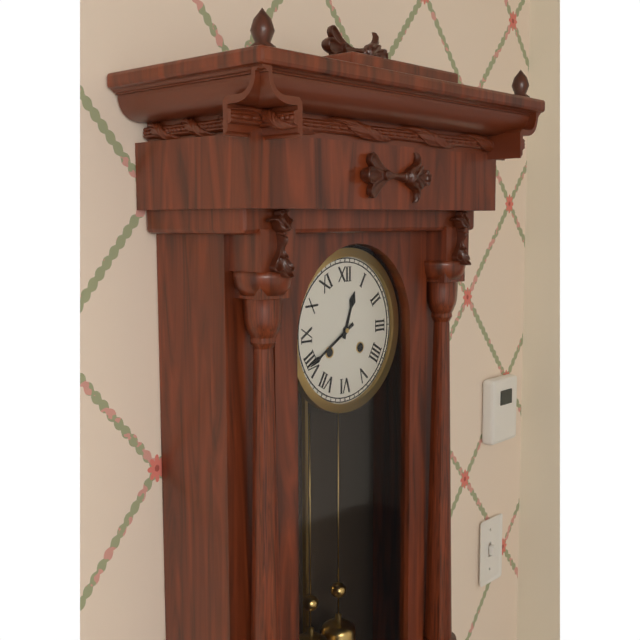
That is **12:40**
